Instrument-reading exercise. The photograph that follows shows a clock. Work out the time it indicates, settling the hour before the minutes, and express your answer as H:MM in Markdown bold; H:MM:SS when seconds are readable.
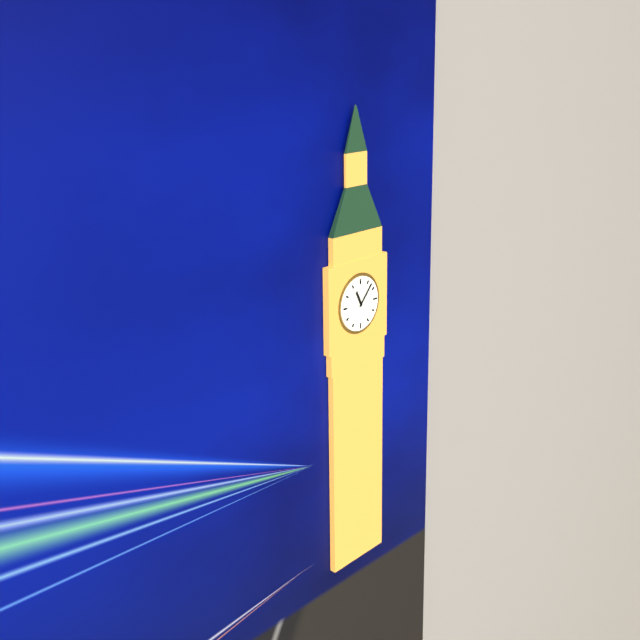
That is **11:07**
